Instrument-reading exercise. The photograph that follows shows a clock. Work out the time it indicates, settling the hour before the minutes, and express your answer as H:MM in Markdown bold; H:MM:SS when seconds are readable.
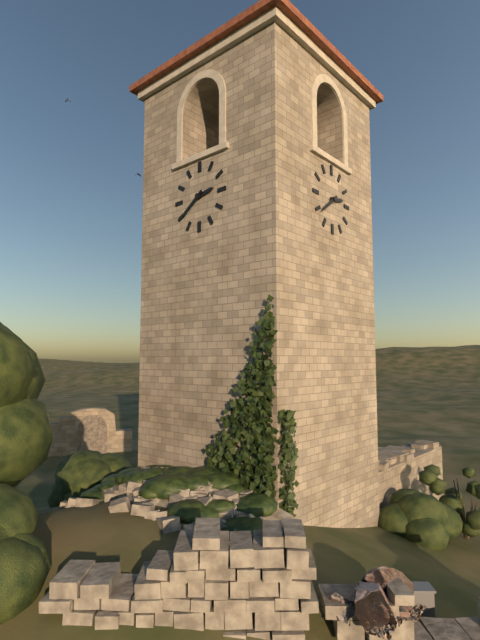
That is **2:39**
